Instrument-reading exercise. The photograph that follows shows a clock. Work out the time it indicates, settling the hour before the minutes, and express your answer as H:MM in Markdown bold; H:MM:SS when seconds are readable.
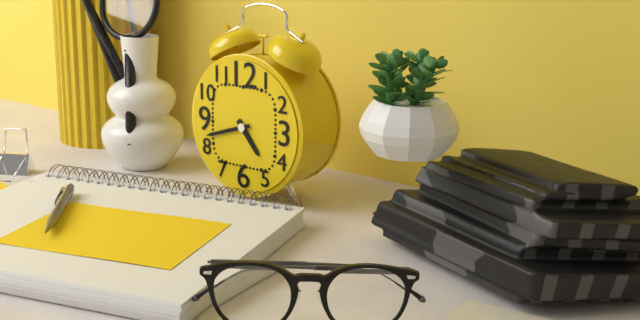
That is **4:42**
